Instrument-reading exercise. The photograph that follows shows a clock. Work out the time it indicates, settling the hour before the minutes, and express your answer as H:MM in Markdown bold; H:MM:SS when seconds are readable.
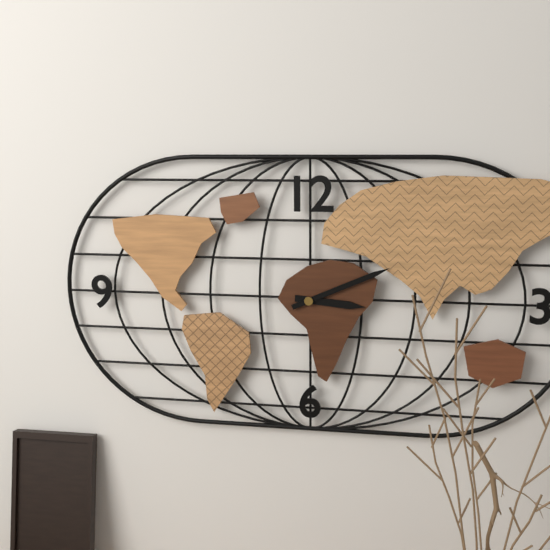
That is **3:11**
